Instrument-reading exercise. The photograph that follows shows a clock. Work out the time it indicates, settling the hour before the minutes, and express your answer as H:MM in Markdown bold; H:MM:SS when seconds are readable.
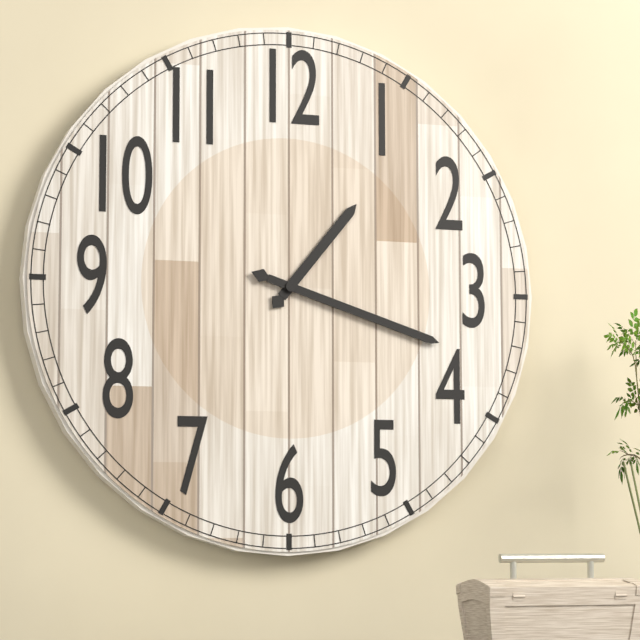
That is **1:18**
